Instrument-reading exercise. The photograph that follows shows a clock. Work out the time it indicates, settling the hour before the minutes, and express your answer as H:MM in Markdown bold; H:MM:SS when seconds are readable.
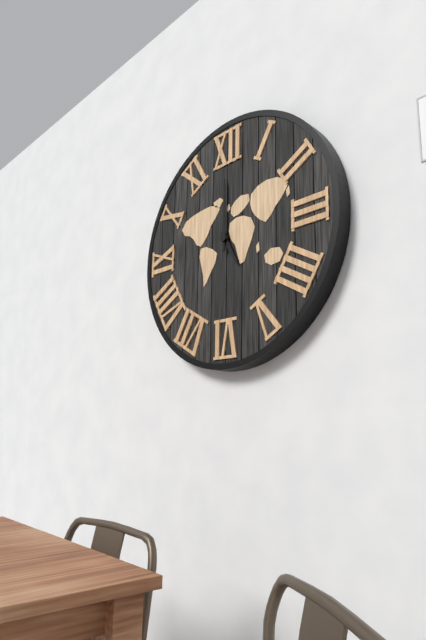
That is **5:00**
